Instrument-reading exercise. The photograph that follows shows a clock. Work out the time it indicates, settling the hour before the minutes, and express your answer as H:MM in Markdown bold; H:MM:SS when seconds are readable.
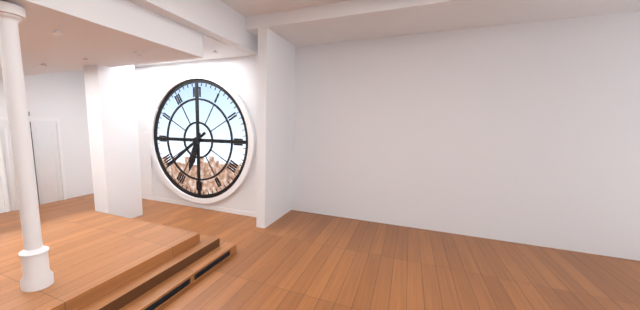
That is **6:39**
